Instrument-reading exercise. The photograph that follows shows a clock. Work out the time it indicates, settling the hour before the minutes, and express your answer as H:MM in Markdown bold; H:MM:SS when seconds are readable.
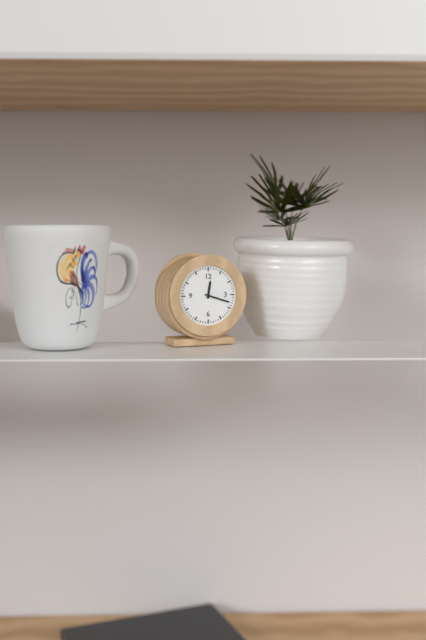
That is **12:18**
